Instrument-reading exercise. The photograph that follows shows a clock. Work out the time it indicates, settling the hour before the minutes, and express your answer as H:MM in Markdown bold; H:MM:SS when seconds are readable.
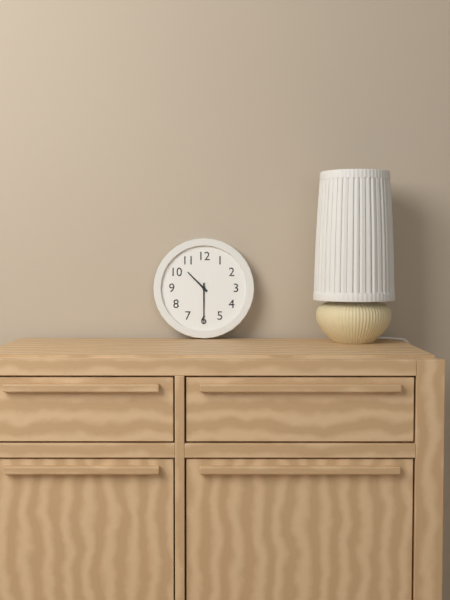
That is **10:30**
